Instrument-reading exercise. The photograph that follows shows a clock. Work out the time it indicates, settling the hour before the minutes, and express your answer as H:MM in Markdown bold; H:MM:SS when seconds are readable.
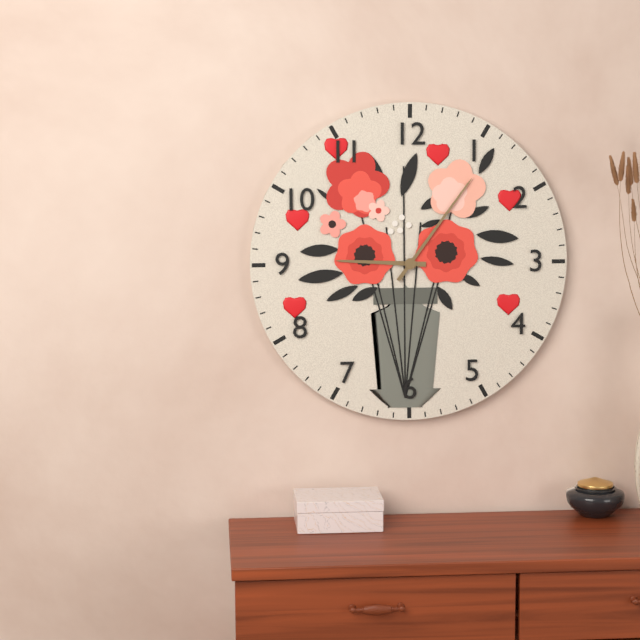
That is **9:06**
